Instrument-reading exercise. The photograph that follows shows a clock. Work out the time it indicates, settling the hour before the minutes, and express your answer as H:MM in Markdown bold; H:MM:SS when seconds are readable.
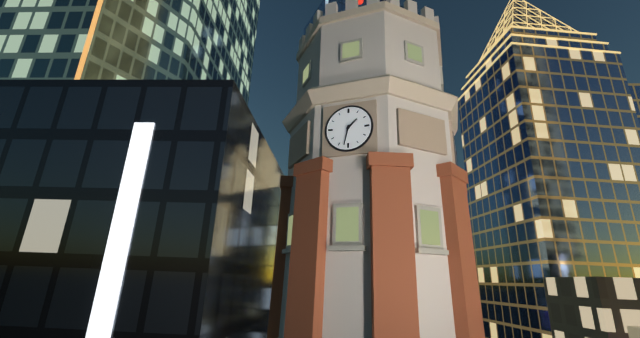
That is **1:32**
